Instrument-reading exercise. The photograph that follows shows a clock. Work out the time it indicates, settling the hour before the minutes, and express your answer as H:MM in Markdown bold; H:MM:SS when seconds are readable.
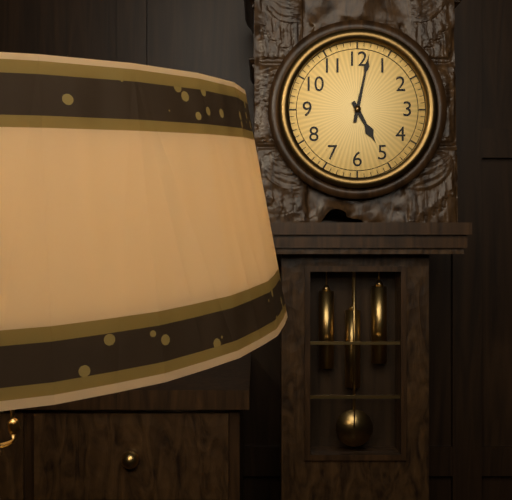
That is **5:02**
